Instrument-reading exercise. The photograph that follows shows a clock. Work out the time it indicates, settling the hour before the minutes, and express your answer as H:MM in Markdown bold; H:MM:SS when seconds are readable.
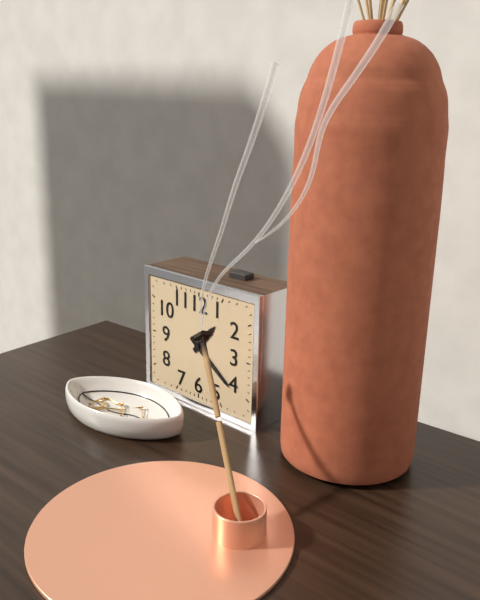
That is **1:21**
